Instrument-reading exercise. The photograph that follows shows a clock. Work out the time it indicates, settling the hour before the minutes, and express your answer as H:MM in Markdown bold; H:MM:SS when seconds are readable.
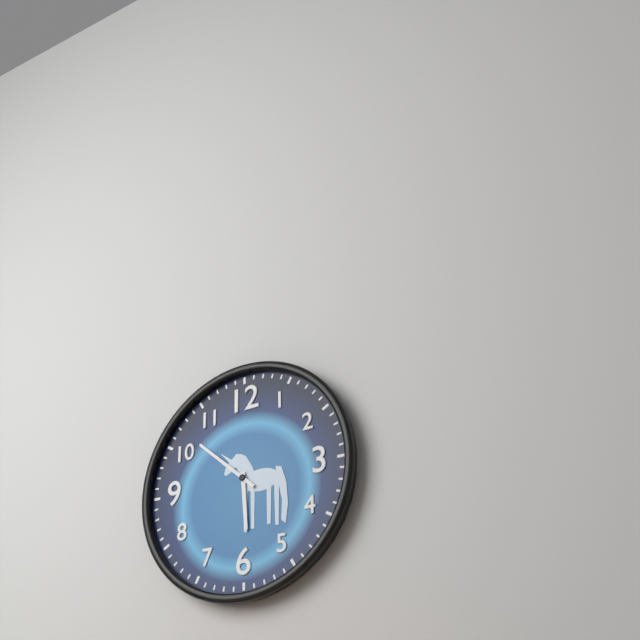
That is **5:52**
